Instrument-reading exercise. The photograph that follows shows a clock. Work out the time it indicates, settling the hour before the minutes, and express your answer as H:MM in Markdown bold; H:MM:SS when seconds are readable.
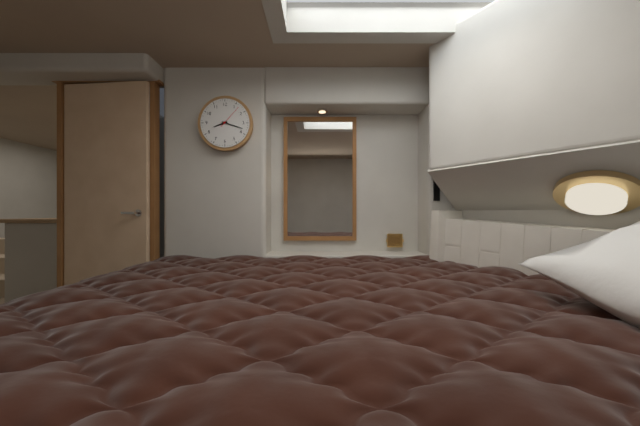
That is **8:18**
